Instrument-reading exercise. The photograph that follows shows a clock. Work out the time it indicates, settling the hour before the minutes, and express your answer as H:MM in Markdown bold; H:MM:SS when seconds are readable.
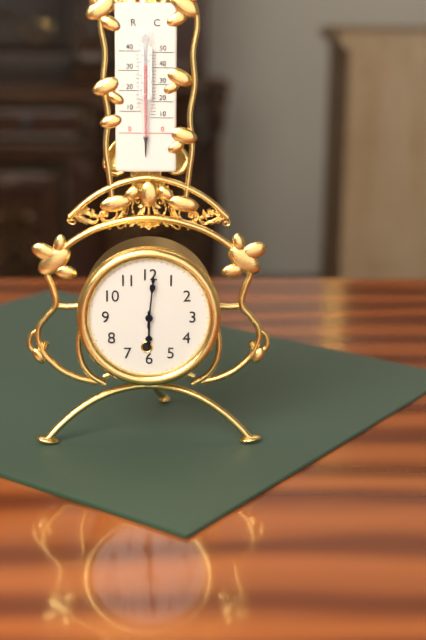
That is **6:01**
